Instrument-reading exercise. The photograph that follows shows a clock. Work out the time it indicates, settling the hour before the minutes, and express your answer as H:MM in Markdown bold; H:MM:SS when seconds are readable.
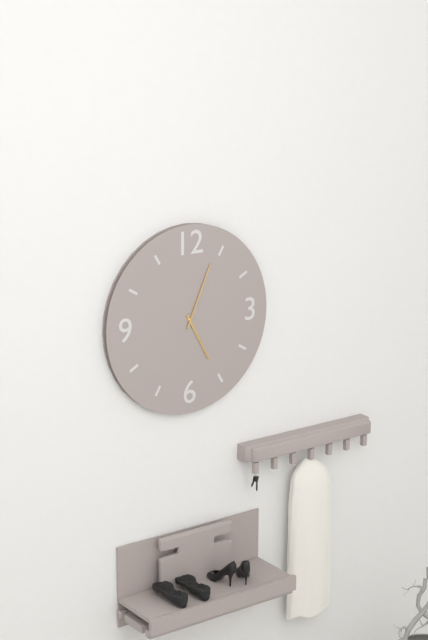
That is **5:04**
